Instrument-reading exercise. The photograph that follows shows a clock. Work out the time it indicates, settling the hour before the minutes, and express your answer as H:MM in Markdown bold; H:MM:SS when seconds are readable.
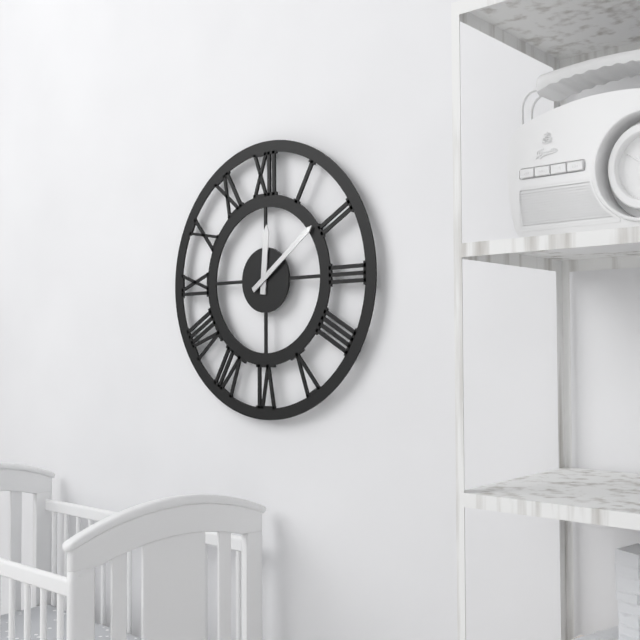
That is **12:09**
